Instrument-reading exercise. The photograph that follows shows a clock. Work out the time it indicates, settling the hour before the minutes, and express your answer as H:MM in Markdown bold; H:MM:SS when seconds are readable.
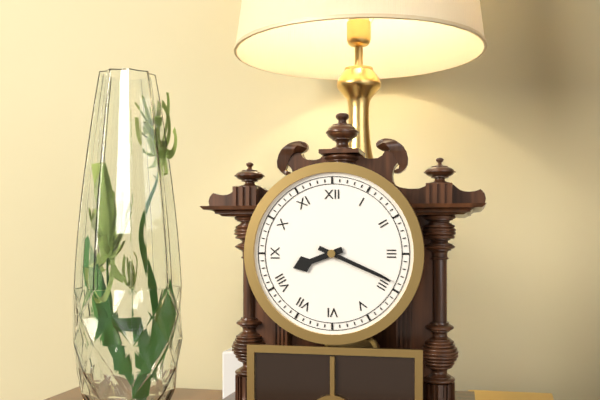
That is **8:19**
